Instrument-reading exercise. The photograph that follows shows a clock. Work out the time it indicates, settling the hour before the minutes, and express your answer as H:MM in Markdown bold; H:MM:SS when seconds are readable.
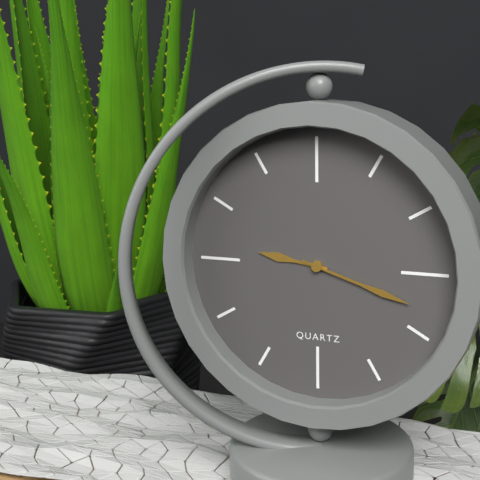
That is **9:18**
